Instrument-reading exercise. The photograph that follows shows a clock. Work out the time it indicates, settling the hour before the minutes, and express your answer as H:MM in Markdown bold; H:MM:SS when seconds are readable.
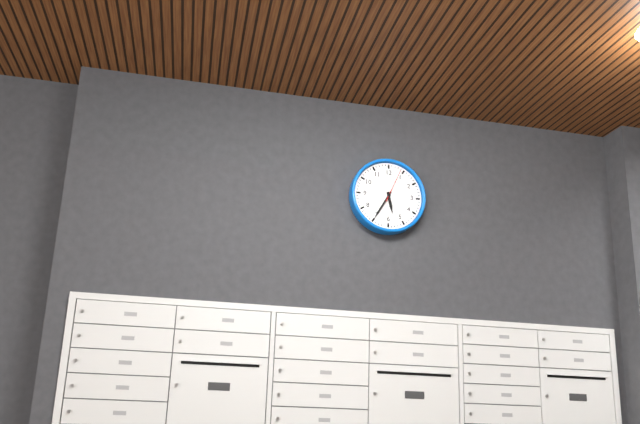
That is **5:35**
